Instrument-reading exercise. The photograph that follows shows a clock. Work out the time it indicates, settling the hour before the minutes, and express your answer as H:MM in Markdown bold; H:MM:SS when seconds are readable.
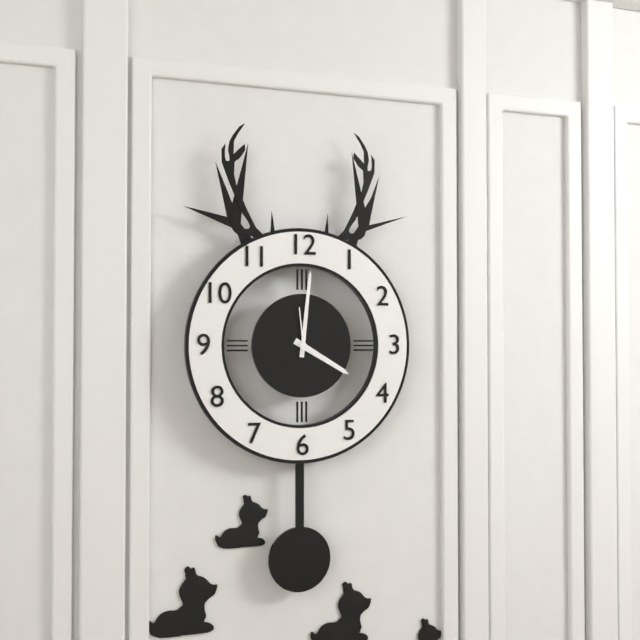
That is **4:01**
